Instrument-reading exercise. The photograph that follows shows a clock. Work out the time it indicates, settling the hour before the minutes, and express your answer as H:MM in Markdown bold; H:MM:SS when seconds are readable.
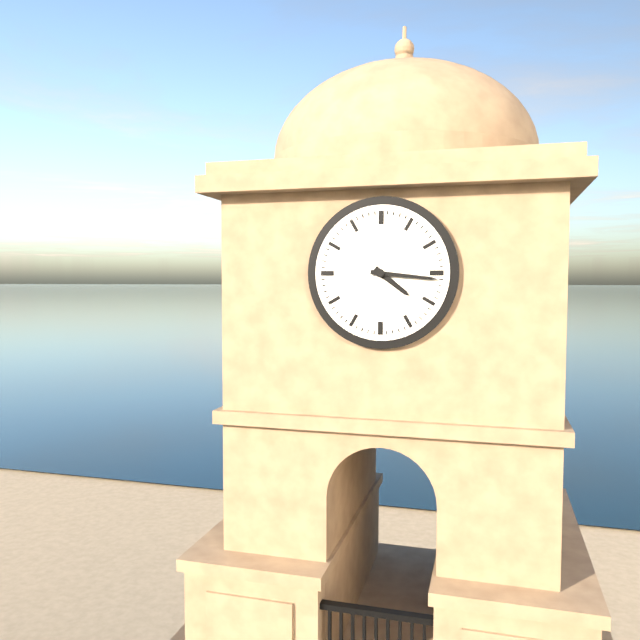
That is **4:16**
